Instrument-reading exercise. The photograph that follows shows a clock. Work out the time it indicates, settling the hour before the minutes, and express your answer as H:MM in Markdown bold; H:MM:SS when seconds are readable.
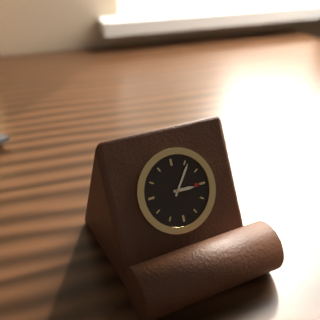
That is **3:06**
